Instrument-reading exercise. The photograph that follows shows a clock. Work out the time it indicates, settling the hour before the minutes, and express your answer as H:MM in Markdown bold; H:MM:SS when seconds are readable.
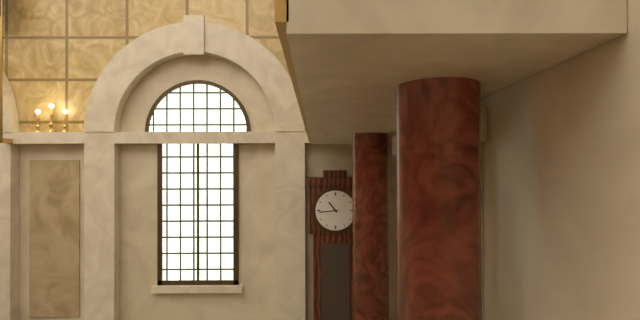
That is **10:44**
